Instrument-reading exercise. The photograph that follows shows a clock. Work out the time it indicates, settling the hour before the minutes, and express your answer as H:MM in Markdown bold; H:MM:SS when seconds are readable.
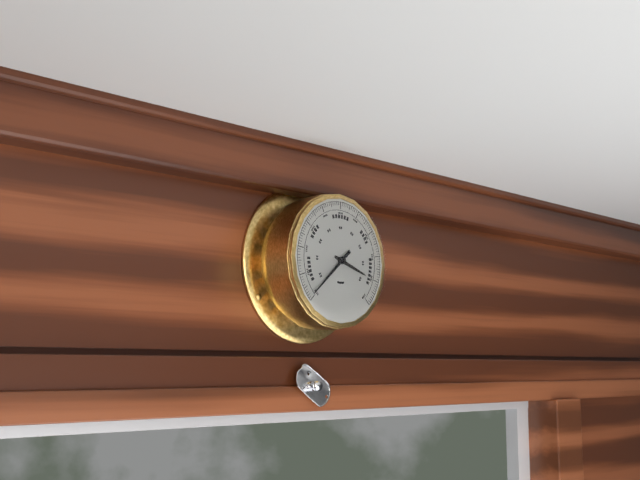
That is **3:38**
